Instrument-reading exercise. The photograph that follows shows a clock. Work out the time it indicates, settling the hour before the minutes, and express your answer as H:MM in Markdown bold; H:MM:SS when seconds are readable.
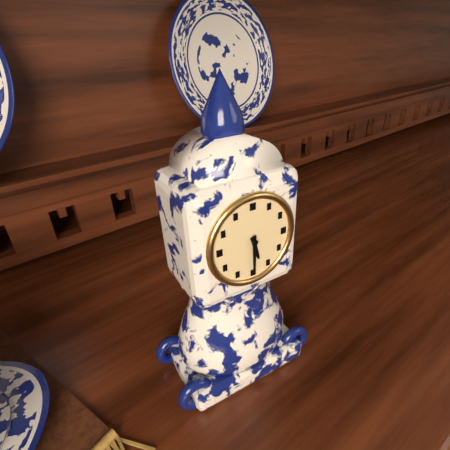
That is **5:30**
